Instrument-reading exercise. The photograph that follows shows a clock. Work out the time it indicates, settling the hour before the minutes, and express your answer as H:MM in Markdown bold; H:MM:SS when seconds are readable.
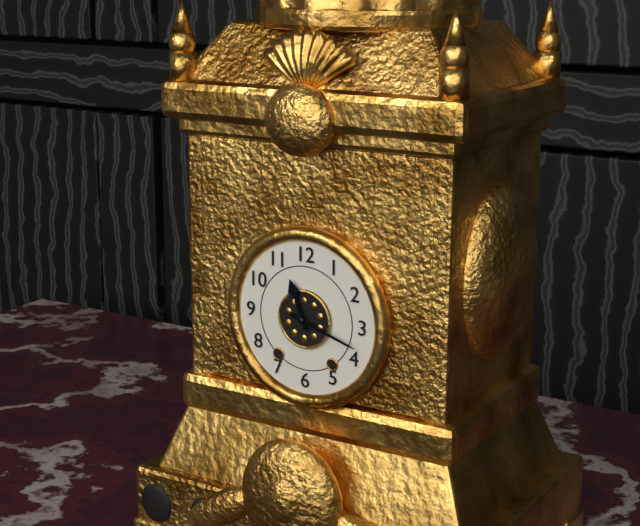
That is **11:18**
